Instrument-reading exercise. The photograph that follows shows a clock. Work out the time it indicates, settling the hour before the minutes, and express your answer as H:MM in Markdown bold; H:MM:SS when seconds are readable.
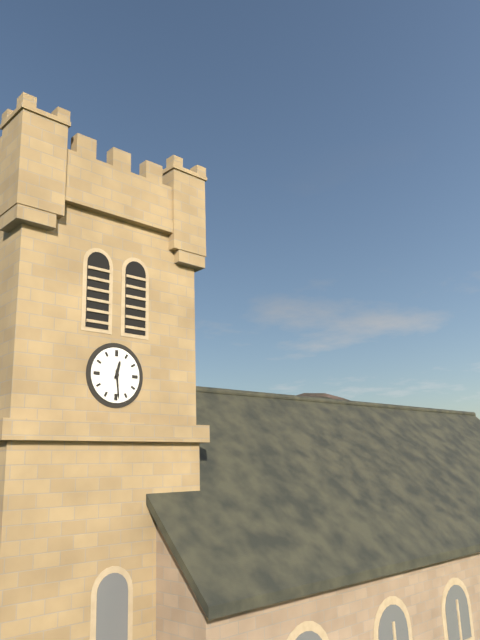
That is **12:29**
